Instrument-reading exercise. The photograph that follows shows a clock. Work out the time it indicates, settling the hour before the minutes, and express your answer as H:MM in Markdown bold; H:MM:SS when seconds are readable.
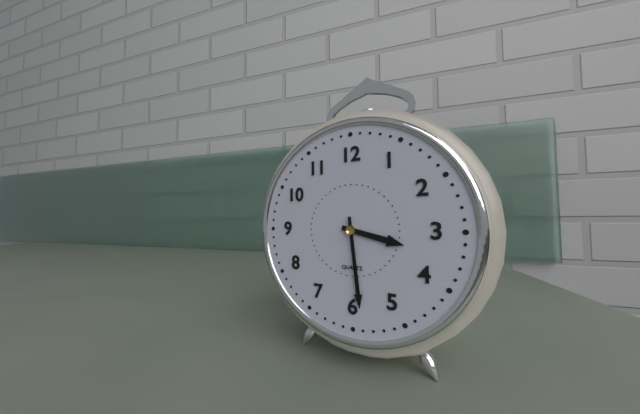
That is **3:29**
